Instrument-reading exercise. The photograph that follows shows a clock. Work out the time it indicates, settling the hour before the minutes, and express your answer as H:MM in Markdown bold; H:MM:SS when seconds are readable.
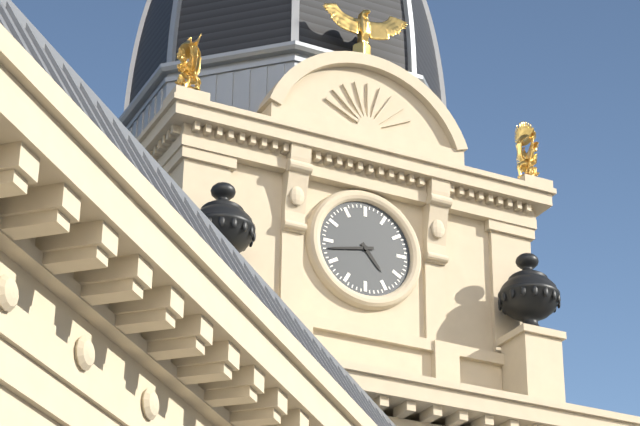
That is **4:43**
